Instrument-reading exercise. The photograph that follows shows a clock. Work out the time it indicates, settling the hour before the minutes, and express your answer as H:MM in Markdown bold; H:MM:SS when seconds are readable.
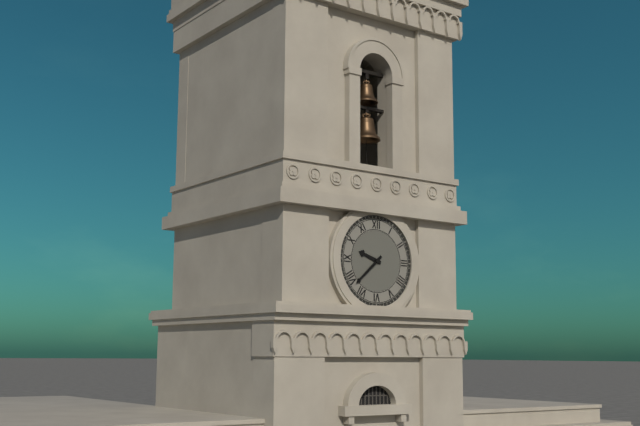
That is **9:38**
